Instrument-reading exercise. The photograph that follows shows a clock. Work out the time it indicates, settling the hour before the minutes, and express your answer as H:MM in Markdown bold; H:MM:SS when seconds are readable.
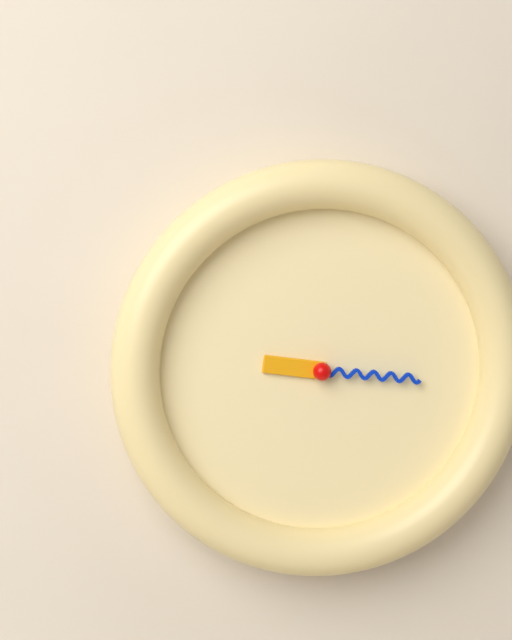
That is **9:16**
